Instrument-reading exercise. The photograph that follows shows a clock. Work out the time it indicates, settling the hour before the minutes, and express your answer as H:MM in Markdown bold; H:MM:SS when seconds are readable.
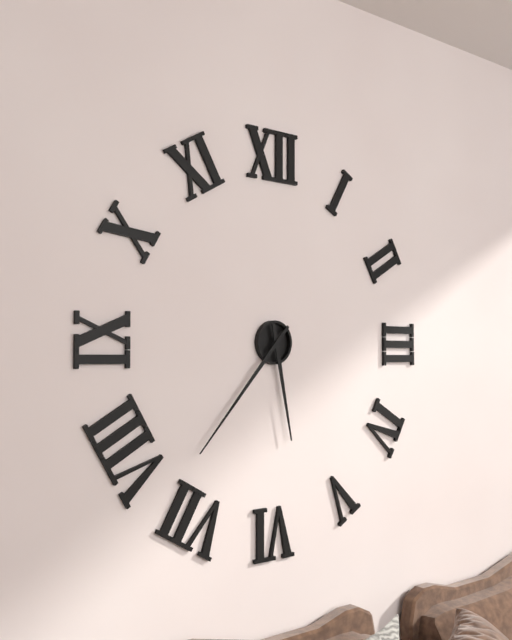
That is **5:37**
